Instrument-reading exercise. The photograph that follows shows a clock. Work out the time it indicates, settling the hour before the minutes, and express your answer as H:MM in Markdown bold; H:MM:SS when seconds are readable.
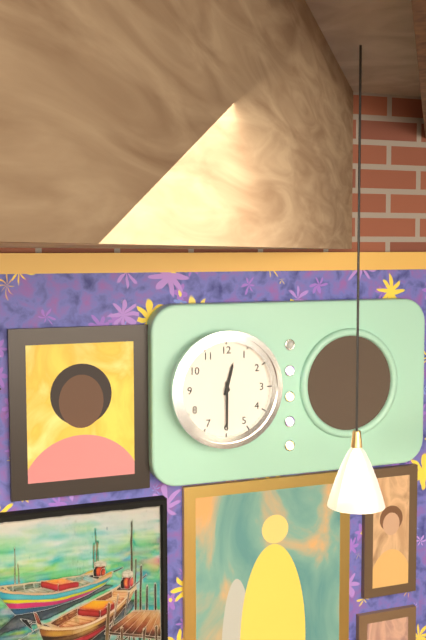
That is **12:30**
